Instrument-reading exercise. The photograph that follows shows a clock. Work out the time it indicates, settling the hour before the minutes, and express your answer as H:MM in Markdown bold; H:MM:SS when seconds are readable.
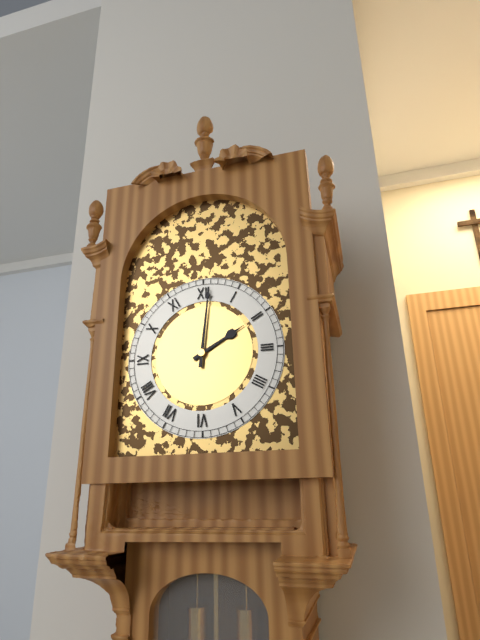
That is **2:01**
